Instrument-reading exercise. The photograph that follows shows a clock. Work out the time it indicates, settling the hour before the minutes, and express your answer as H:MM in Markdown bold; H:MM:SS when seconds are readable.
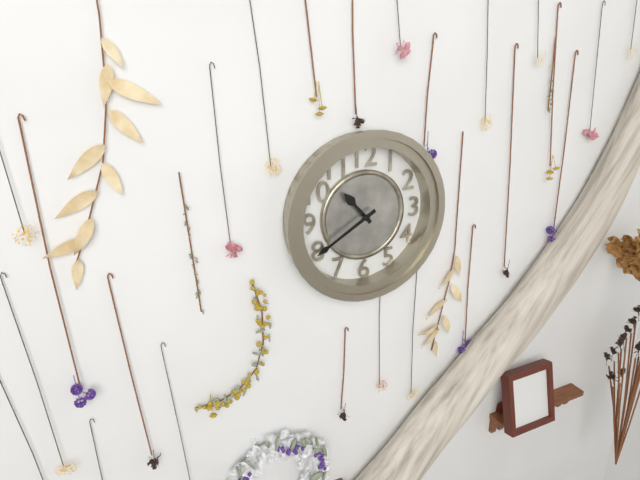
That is **10:40**
